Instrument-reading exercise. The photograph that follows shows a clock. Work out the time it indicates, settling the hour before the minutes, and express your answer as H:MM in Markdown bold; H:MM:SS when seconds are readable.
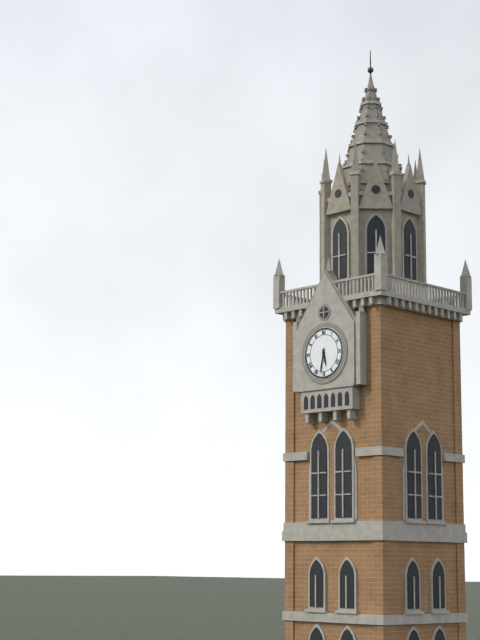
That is **5:32**
